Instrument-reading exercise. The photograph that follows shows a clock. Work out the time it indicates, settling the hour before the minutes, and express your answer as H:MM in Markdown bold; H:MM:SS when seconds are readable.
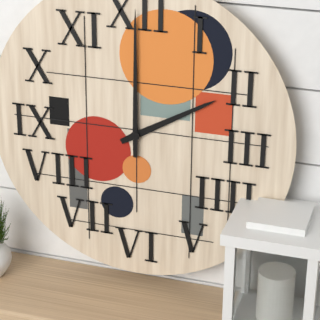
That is **2:00**
